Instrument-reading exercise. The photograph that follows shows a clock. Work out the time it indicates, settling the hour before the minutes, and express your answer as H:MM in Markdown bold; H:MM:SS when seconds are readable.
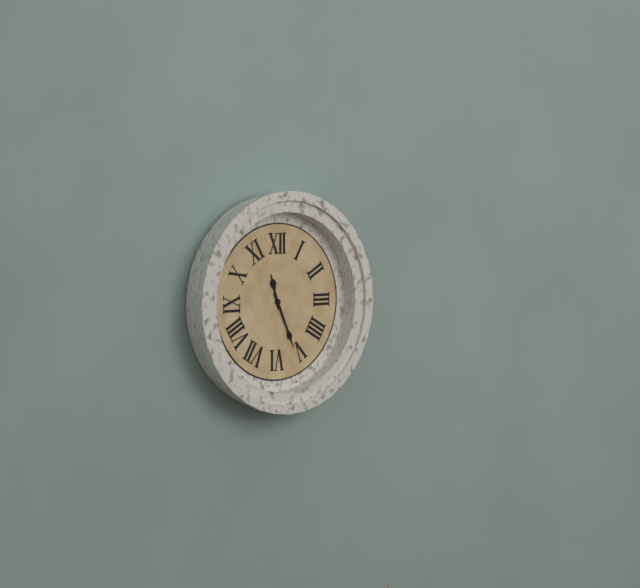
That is **11:26**
